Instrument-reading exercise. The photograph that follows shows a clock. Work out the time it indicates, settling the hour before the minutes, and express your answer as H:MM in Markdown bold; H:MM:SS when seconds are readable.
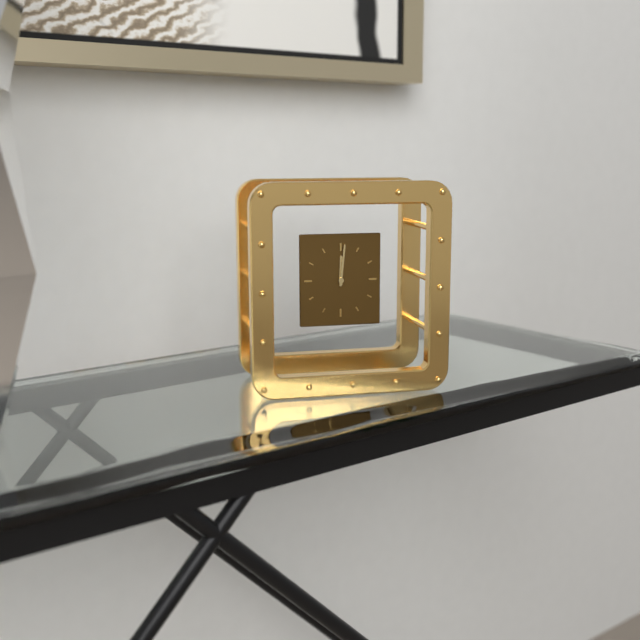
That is **12:01**
